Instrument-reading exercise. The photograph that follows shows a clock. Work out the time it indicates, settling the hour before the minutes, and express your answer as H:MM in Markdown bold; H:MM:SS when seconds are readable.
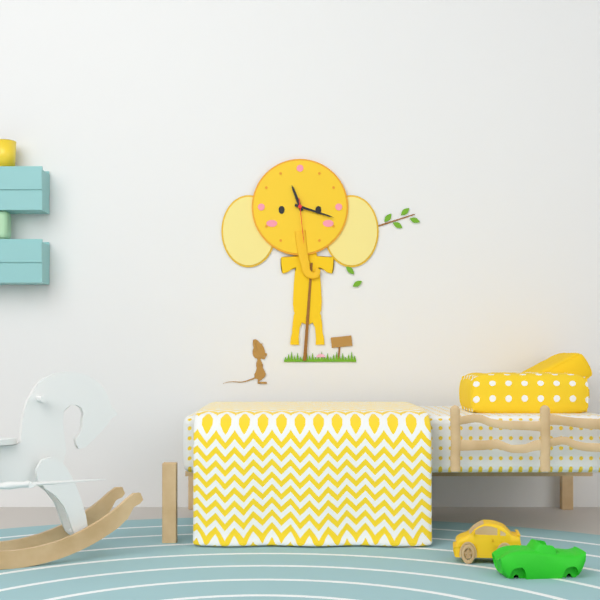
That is **11:18**
